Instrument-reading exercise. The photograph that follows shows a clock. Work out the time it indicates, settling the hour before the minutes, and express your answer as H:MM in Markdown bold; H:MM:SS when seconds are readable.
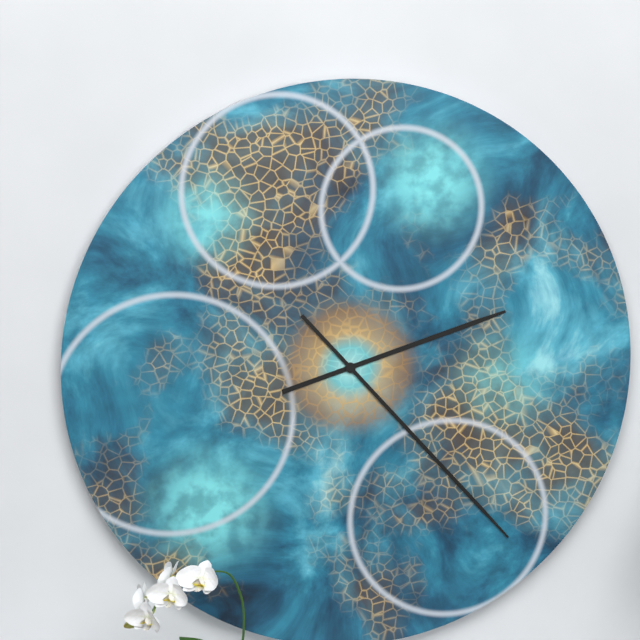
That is **2:23**
